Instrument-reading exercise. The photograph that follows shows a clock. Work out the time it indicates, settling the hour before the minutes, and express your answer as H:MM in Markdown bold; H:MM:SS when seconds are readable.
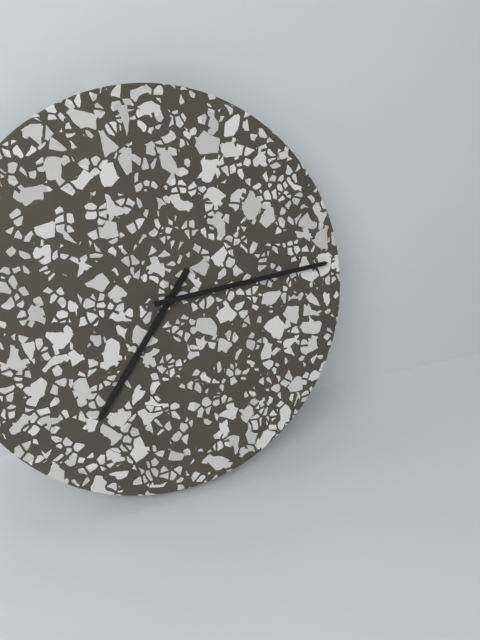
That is **7:14**
